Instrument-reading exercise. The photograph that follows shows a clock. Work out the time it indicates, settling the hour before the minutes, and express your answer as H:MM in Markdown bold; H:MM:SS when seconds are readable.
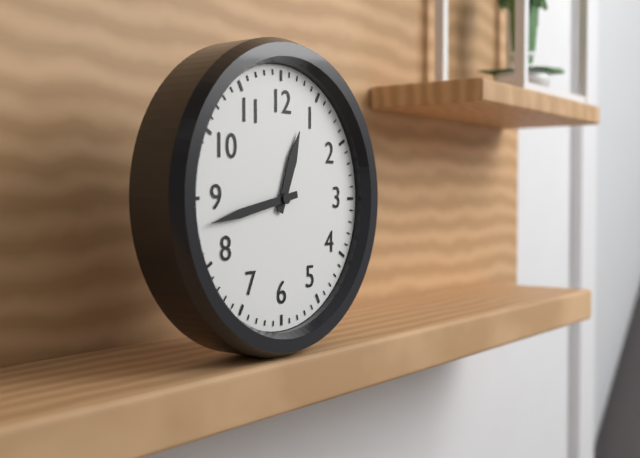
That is **12:43**
